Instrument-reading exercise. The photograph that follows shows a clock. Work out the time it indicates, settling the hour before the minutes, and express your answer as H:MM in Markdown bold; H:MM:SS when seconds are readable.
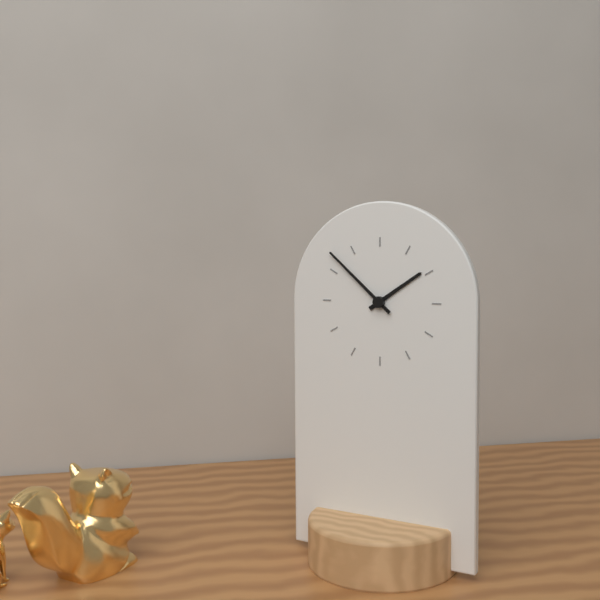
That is **1:52**
